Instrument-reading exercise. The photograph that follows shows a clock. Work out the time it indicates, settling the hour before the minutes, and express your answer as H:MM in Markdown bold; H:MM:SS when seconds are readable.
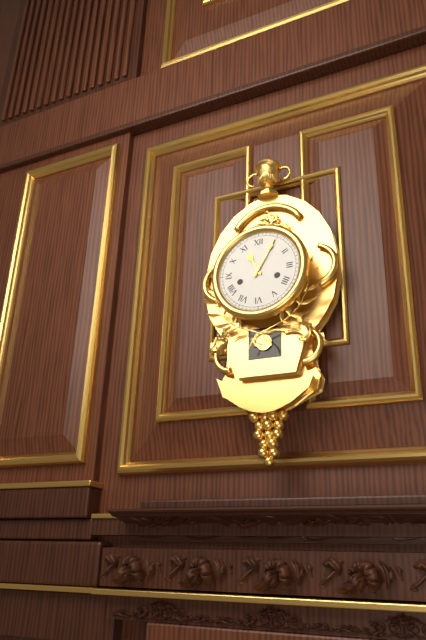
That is **11:05**
